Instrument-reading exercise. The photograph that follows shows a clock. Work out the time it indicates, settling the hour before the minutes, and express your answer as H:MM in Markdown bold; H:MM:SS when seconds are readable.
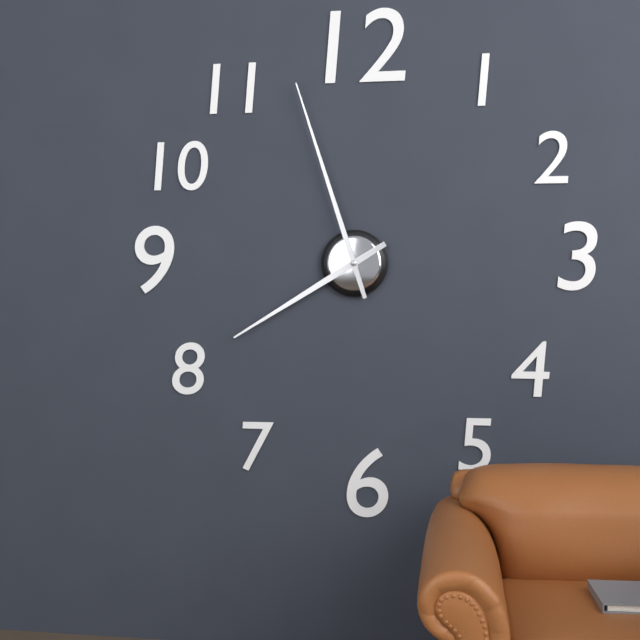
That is **7:57**
